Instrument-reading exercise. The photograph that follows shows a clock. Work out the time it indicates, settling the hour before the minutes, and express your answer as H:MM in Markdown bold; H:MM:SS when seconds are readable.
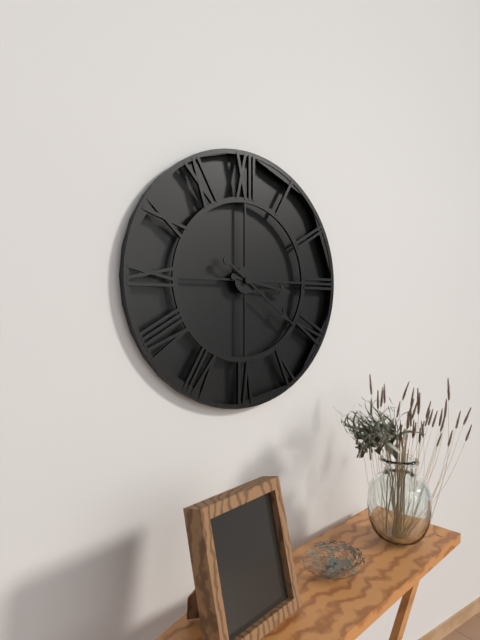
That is **3:21**
